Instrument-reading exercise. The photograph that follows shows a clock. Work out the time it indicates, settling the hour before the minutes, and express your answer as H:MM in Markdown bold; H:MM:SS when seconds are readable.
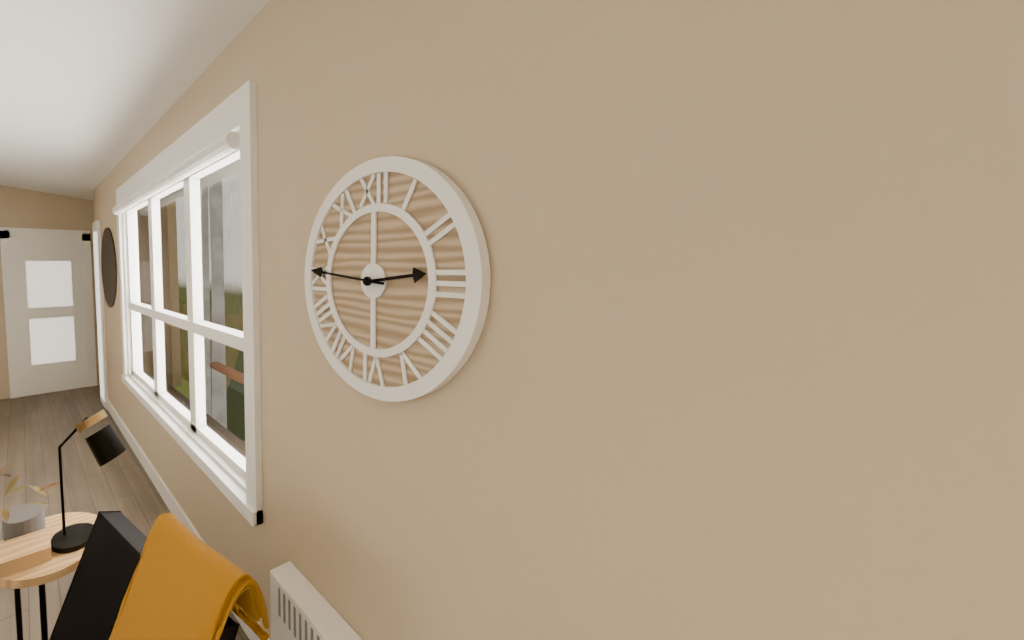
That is **2:46**
